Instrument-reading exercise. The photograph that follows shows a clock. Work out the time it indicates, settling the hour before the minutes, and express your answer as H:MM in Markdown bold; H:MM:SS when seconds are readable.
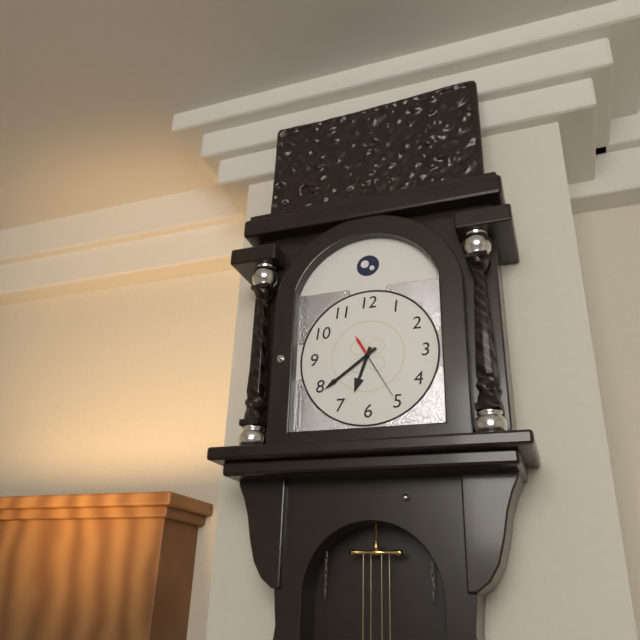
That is **6:39**
